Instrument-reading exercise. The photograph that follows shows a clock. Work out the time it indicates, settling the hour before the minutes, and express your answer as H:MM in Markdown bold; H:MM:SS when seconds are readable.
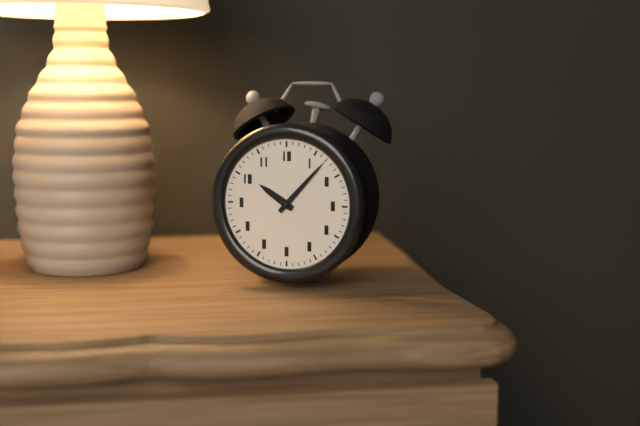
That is **10:07**
